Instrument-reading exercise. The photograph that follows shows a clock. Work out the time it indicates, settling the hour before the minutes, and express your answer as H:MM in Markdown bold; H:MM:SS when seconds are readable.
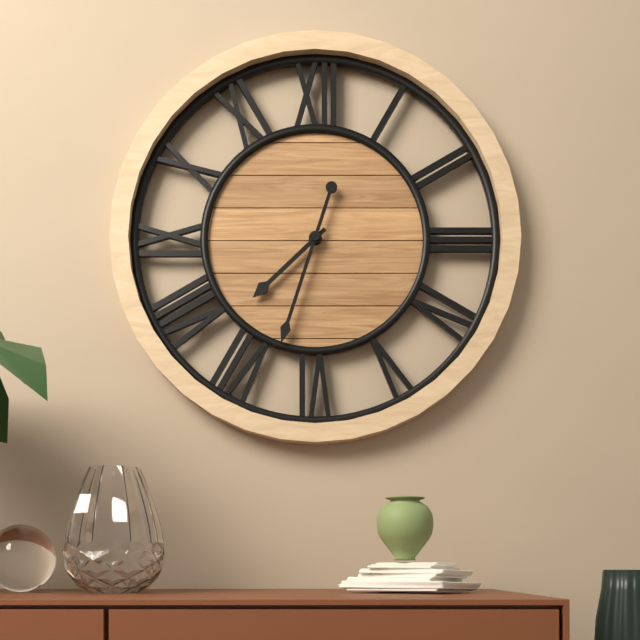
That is **7:33**
